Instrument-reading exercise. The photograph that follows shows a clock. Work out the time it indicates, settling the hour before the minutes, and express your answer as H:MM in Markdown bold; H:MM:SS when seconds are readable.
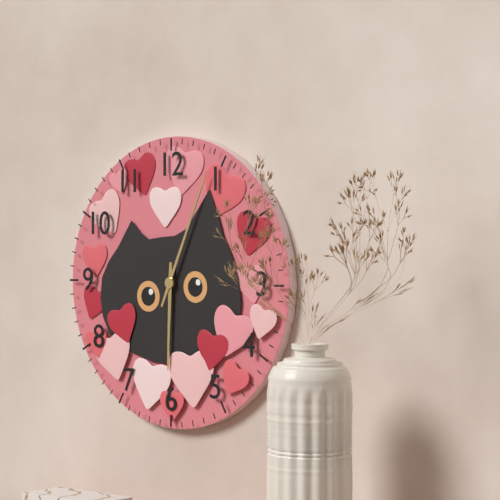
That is **6:04**
